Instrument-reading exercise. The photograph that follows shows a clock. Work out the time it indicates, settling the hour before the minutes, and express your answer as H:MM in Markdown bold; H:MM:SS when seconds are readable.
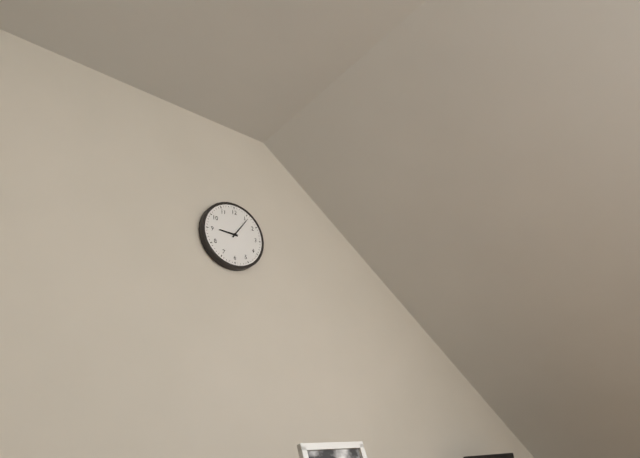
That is **9:06**
